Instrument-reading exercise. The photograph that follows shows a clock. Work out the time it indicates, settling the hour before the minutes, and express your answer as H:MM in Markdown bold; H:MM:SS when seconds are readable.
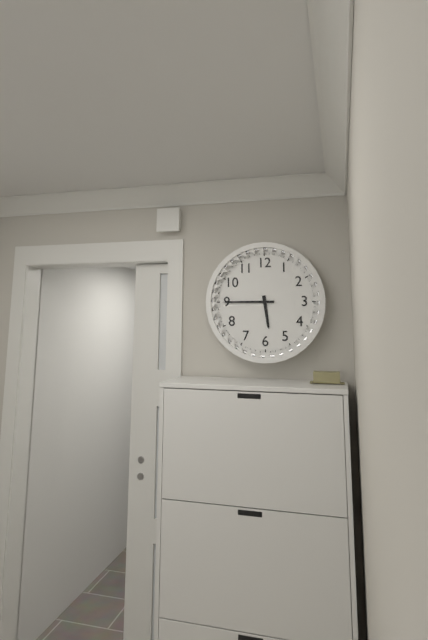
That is **5:45**
